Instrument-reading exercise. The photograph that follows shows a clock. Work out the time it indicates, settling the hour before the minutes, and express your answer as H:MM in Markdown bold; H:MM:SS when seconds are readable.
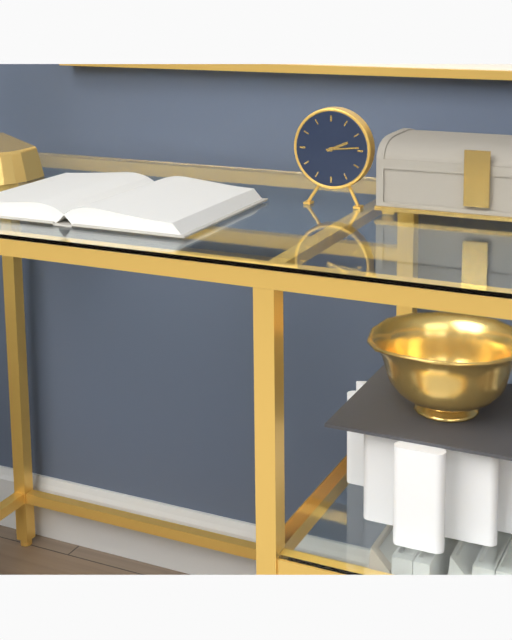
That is **2:14**
